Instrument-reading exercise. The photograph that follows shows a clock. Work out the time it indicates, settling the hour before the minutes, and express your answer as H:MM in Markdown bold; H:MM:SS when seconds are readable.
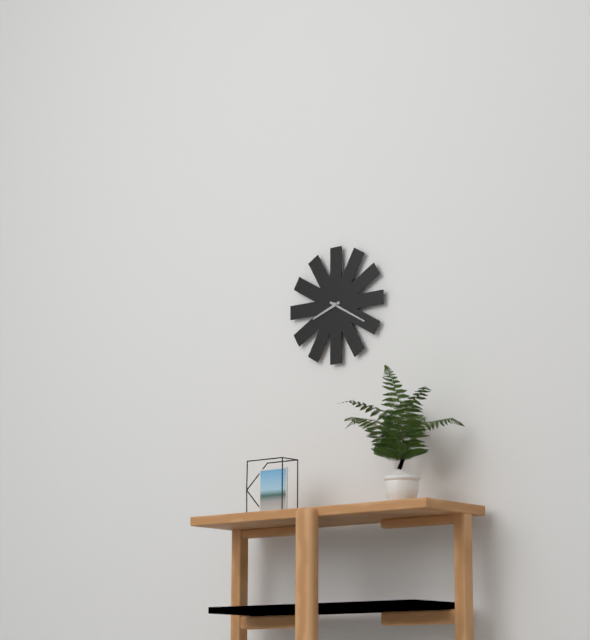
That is **8:20**
